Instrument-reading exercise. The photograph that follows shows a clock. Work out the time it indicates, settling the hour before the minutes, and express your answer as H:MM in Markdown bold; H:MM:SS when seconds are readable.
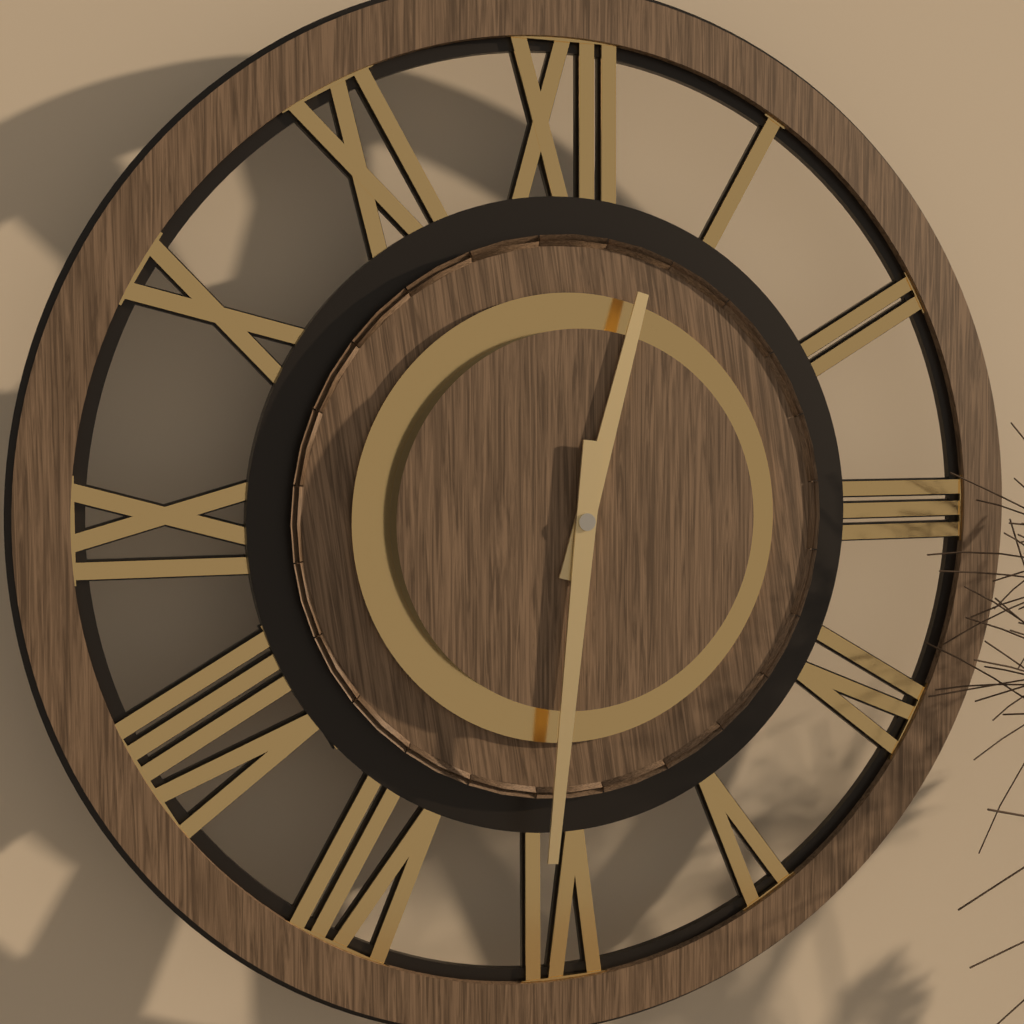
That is **12:31**
